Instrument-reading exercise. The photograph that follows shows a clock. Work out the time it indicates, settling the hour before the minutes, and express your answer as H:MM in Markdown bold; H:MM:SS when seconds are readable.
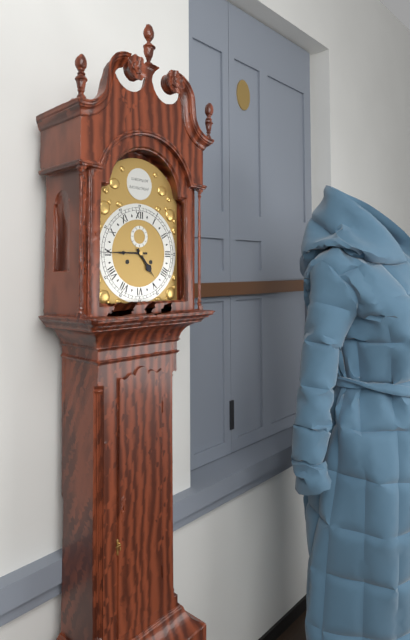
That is **4:45**
